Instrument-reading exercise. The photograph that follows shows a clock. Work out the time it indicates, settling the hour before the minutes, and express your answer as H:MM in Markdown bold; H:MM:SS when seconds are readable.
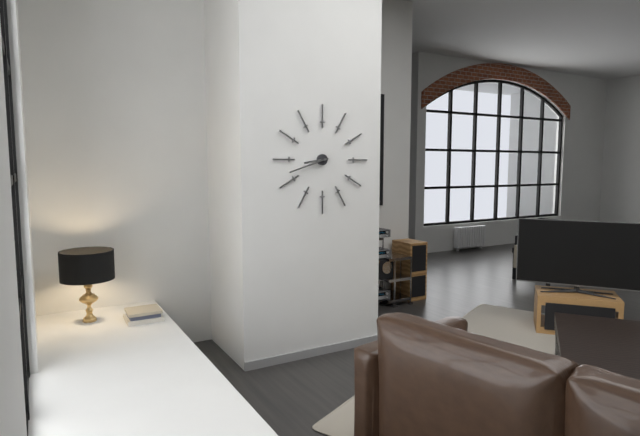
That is **8:42**
